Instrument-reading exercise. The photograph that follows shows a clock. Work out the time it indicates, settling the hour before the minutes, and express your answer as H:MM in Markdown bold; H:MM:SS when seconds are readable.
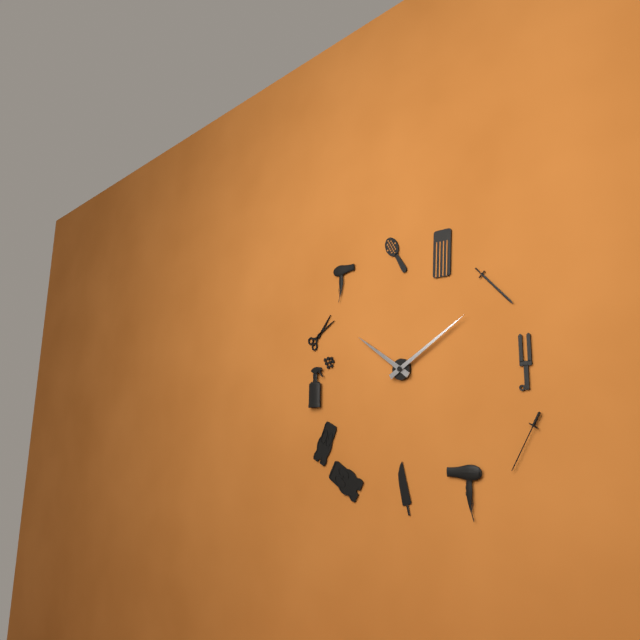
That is **10:10**
